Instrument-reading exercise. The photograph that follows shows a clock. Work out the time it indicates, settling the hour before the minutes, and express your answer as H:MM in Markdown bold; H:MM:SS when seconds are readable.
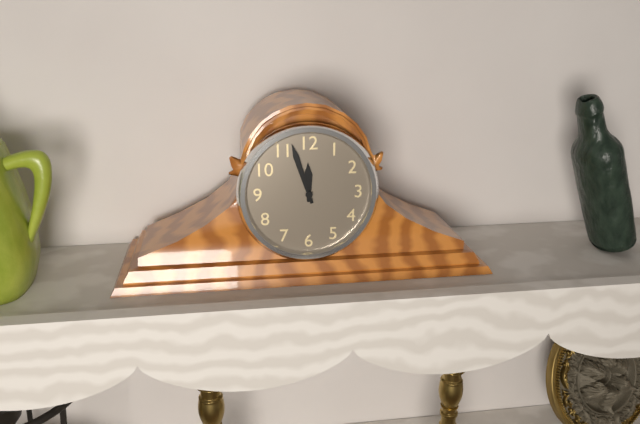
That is **11:57**
